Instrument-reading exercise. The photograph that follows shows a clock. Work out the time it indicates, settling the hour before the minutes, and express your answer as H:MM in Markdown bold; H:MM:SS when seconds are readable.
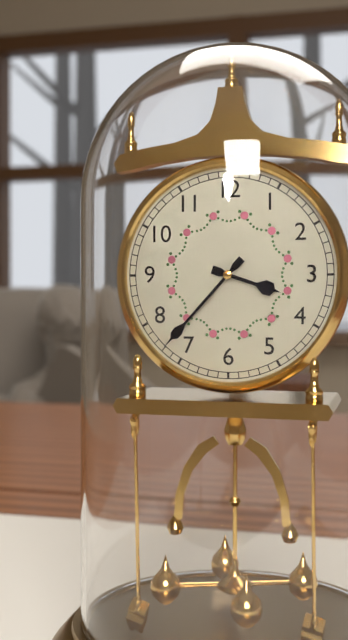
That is **3:37**
